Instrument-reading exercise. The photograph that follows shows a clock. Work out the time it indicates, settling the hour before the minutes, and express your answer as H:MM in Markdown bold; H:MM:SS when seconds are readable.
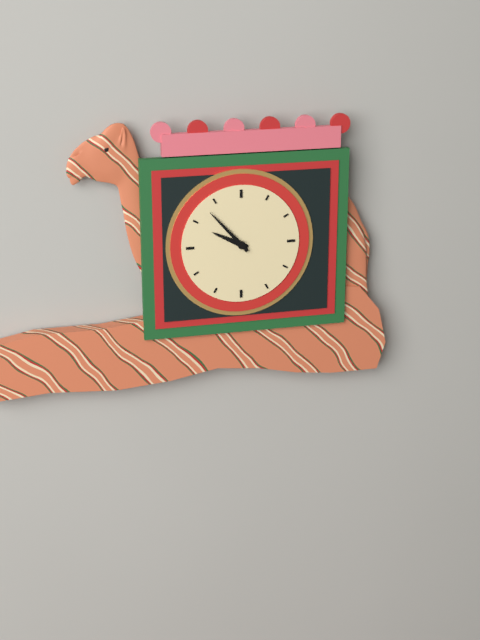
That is **9:53**
